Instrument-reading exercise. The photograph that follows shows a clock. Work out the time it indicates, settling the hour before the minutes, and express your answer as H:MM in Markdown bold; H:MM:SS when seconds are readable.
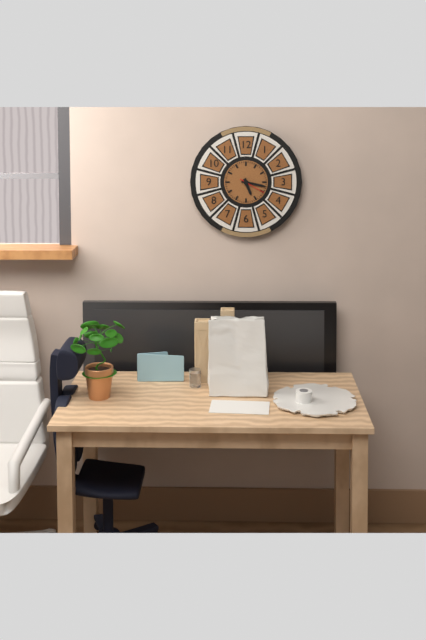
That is **5:17**
